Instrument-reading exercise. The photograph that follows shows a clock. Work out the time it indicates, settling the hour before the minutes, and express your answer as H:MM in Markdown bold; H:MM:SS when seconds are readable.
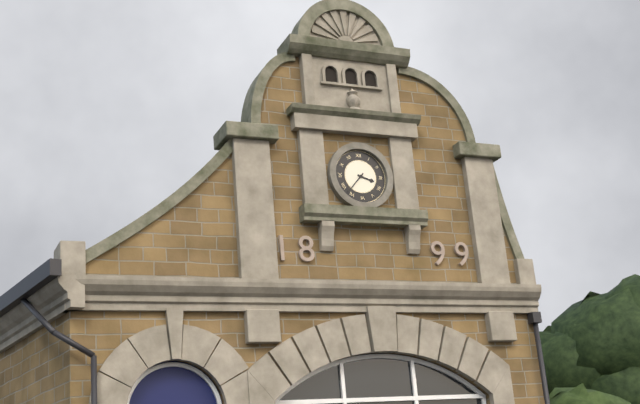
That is **3:37**
